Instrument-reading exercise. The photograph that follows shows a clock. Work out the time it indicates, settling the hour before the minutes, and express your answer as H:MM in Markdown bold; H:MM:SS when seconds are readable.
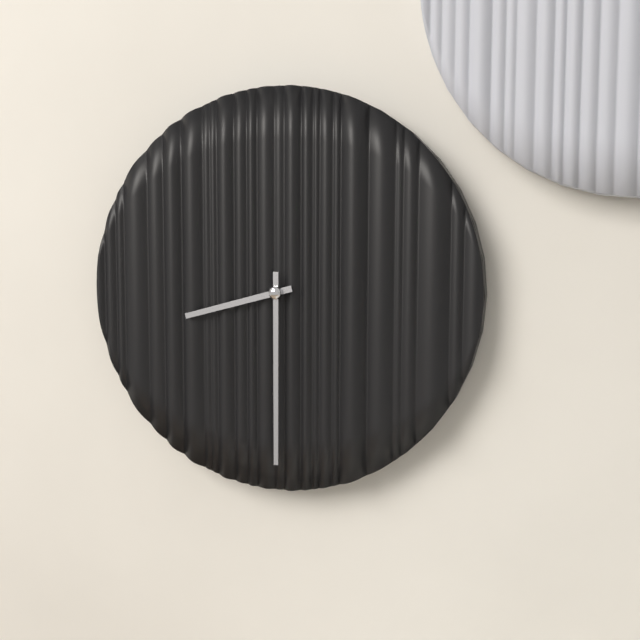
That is **8:30**
